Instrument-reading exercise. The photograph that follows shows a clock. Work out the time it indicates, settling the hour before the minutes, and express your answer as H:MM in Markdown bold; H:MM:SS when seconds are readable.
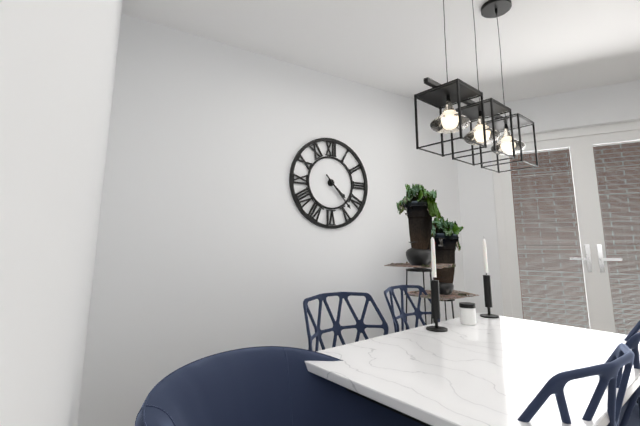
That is **4:23**
